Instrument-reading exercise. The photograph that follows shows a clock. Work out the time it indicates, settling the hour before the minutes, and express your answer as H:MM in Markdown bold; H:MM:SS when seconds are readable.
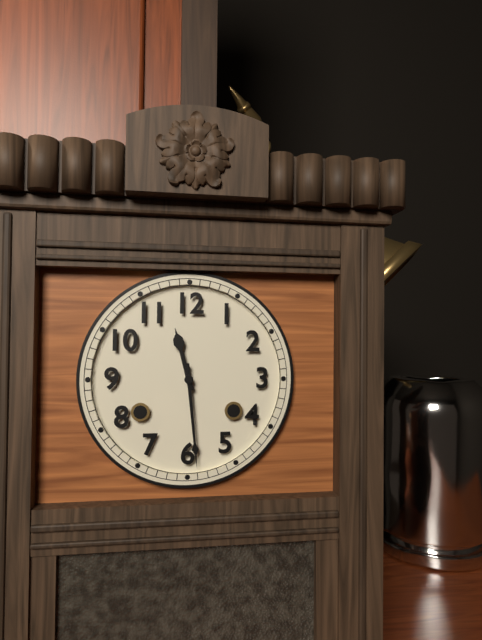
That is **11:29**
